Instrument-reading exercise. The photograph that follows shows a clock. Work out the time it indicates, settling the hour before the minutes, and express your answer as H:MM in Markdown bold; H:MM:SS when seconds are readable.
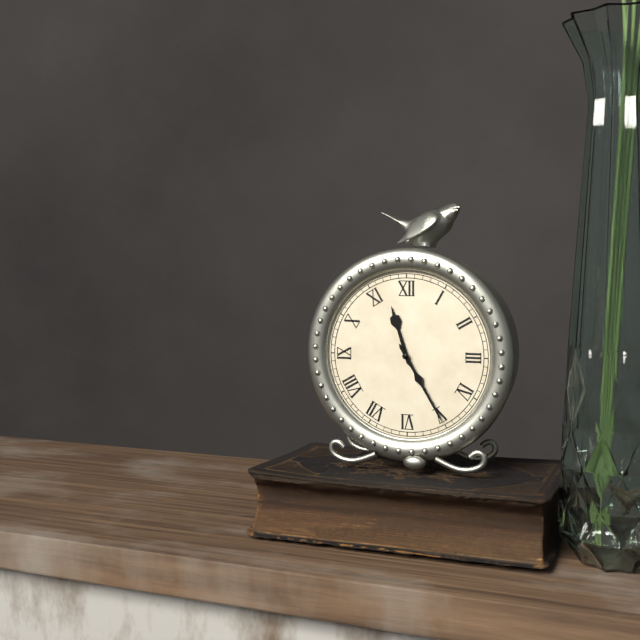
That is **11:25**
